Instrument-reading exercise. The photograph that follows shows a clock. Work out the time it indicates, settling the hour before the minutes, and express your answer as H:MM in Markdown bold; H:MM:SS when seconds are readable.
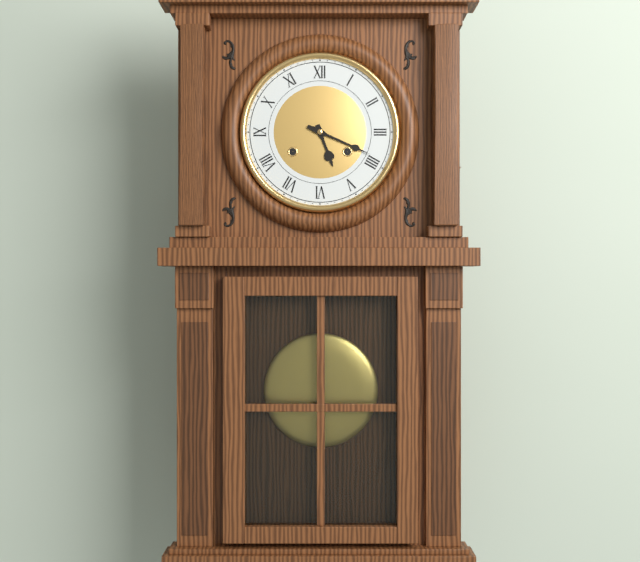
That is **5:19**
